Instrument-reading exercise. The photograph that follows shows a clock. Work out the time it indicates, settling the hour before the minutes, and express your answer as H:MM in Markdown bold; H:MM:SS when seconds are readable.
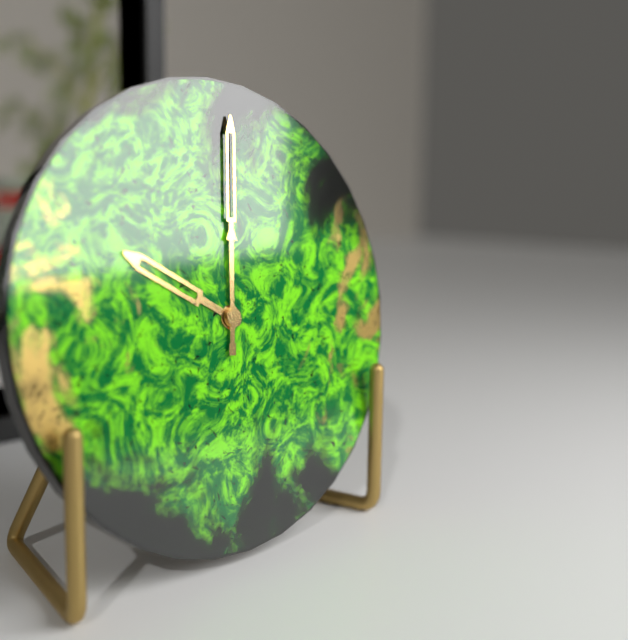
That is **10:01**
